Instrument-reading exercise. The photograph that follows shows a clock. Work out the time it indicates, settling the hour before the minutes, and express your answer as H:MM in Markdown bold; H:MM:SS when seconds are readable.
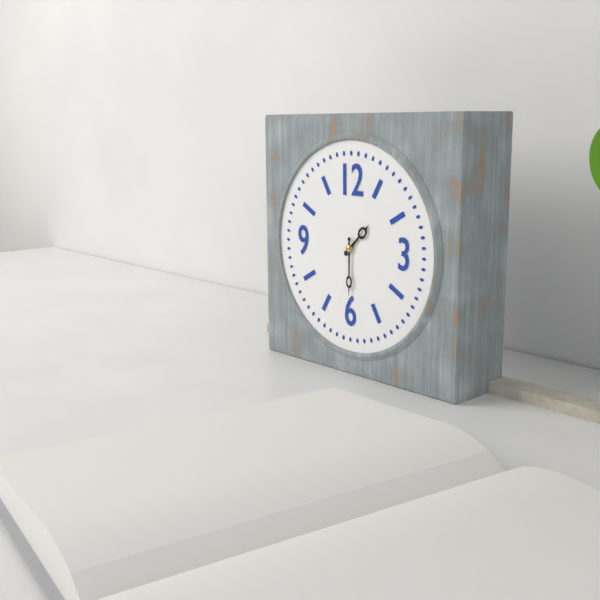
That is **1:30**
